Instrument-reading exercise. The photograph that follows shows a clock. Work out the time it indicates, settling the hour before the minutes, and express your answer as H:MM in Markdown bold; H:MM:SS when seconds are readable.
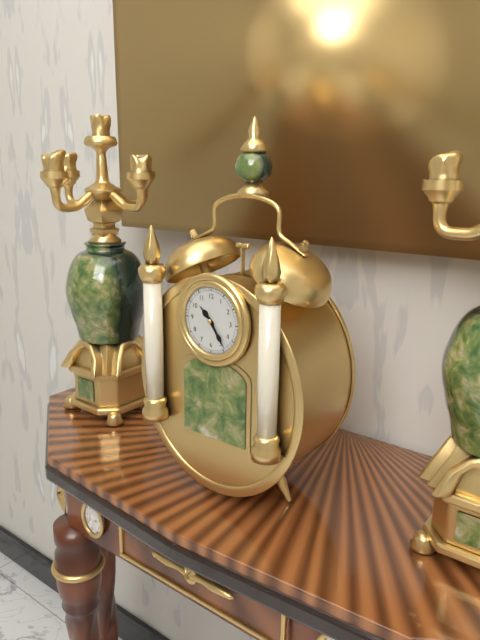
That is **10:24**
